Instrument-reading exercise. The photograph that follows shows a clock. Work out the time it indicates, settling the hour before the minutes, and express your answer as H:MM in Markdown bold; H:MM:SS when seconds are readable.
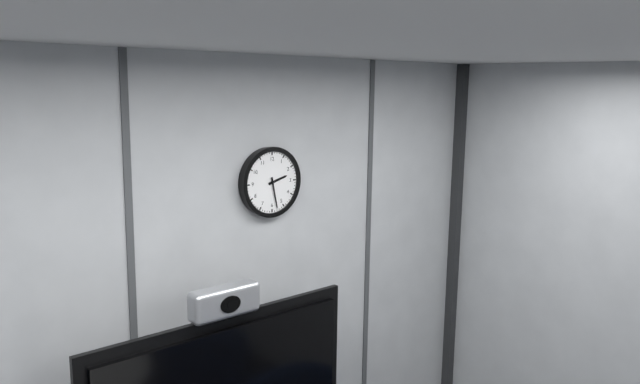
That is **2:28**
